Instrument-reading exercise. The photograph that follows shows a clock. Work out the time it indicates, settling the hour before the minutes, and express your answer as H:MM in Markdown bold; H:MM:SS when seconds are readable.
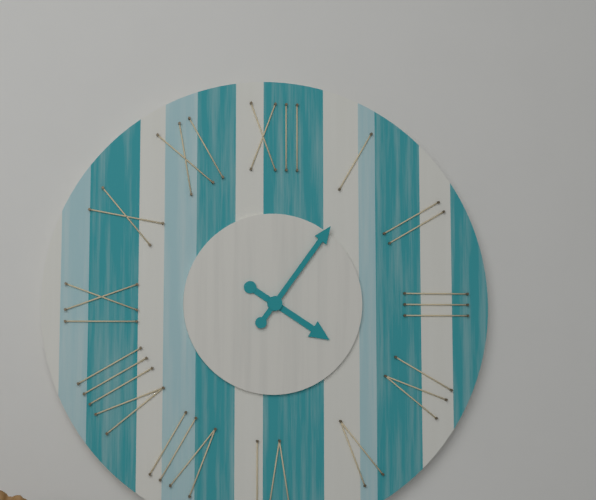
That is **4:06**
